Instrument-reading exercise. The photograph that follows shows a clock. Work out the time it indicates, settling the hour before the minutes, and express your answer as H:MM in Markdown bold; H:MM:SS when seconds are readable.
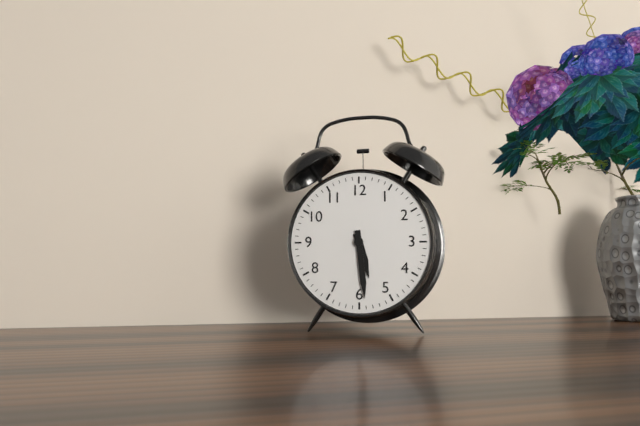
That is **5:29**
